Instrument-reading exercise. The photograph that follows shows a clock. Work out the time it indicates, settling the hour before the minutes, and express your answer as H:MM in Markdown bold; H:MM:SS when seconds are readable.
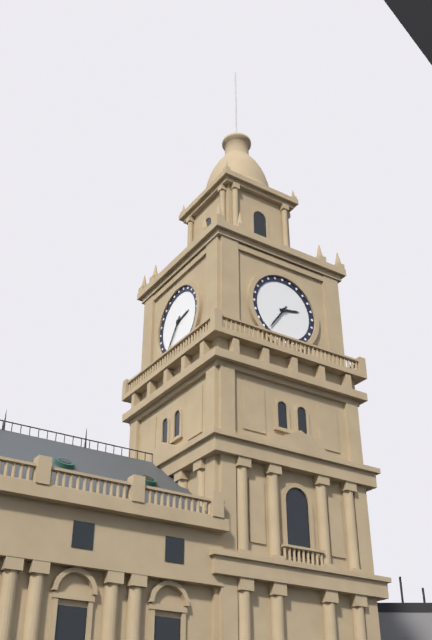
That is **2:36**
